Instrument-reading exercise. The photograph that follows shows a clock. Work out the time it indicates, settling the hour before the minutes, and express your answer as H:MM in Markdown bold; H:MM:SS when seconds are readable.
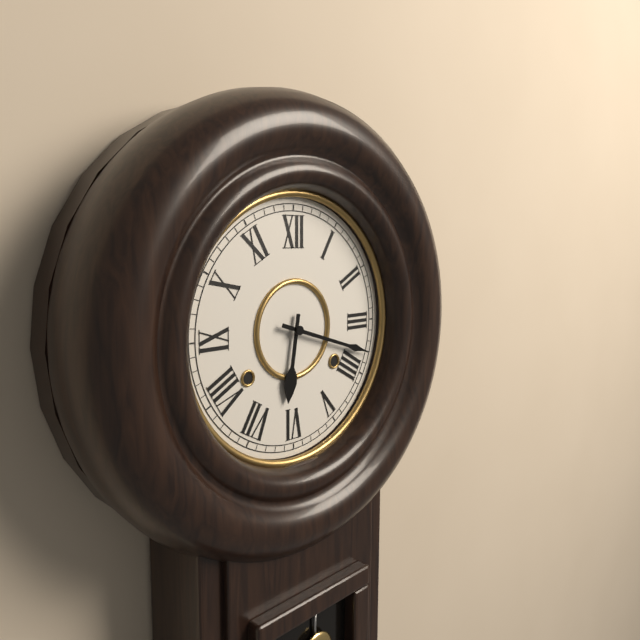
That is **6:18**
